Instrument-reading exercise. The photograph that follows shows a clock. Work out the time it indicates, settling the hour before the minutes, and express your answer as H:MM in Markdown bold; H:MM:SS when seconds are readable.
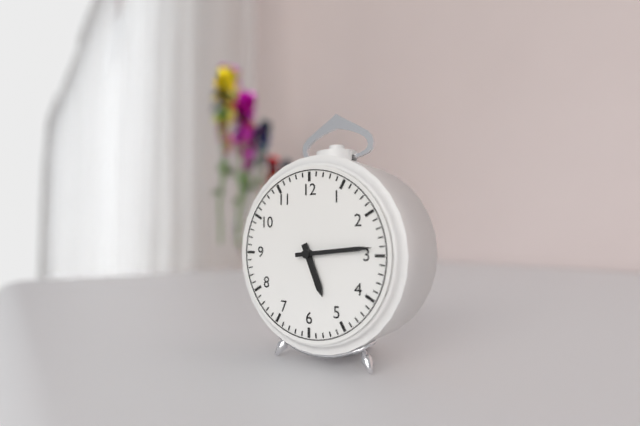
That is **5:14**
